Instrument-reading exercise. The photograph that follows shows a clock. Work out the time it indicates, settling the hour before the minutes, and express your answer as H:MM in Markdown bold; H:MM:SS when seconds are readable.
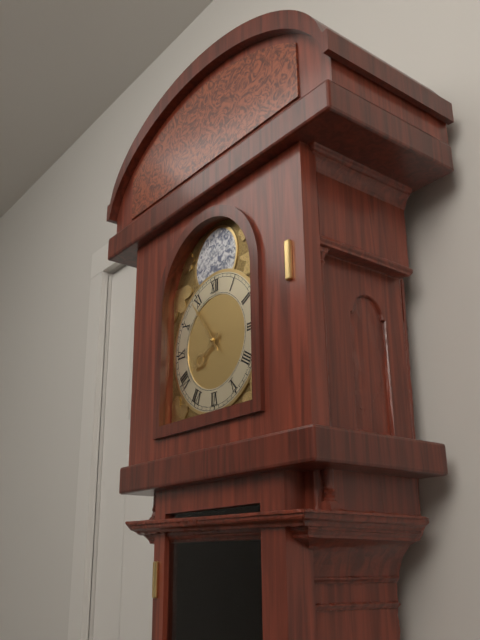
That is **7:54**
